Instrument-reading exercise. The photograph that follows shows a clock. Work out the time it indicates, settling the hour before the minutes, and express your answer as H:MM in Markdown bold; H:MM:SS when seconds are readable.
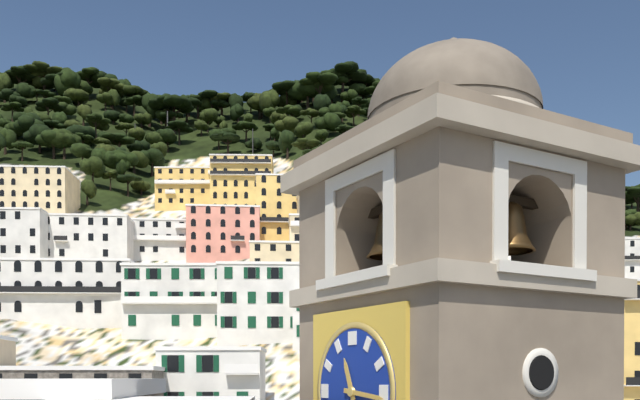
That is **11:16**
